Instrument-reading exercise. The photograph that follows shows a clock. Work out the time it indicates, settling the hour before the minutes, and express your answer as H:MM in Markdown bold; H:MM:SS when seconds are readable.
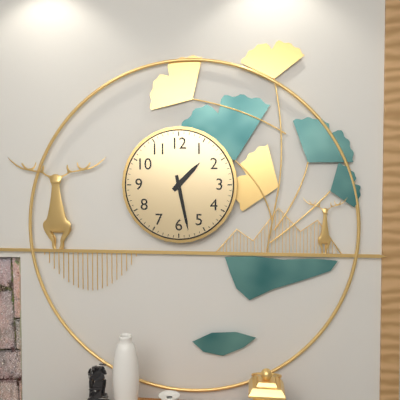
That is **1:28**
